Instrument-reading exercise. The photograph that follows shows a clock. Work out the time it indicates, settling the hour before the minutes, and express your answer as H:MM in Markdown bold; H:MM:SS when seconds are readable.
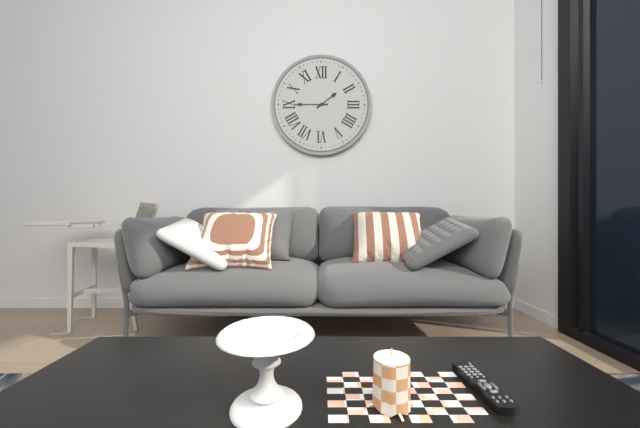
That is **1:45**
